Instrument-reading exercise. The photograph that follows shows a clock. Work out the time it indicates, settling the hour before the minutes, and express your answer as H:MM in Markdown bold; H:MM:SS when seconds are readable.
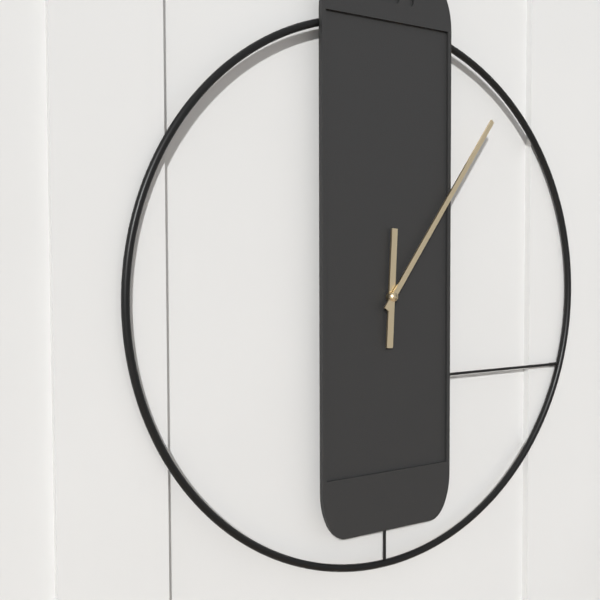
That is **12:06**
